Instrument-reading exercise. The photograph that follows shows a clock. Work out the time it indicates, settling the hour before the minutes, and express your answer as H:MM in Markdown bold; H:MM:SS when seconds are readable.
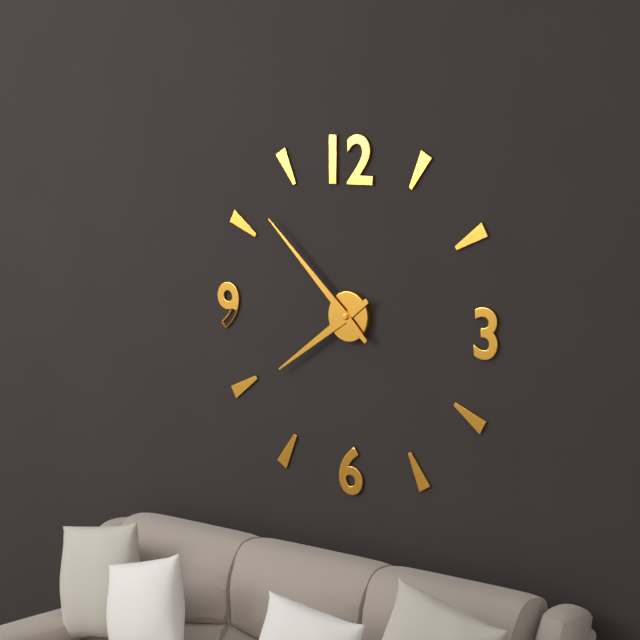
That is **7:52**
